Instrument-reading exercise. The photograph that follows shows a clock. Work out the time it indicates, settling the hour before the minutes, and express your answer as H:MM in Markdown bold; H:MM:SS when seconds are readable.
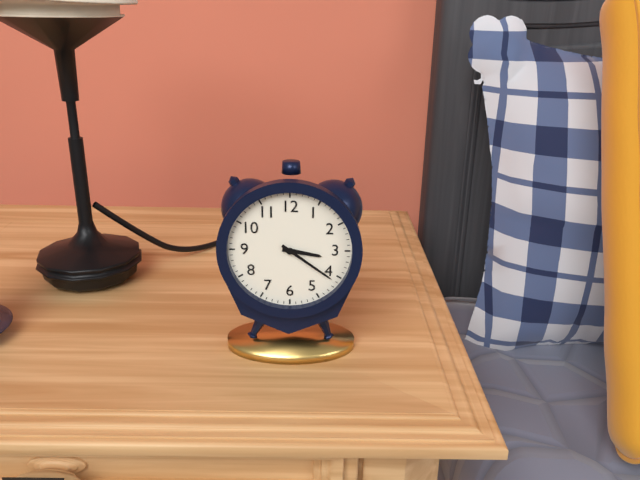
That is **3:21**
